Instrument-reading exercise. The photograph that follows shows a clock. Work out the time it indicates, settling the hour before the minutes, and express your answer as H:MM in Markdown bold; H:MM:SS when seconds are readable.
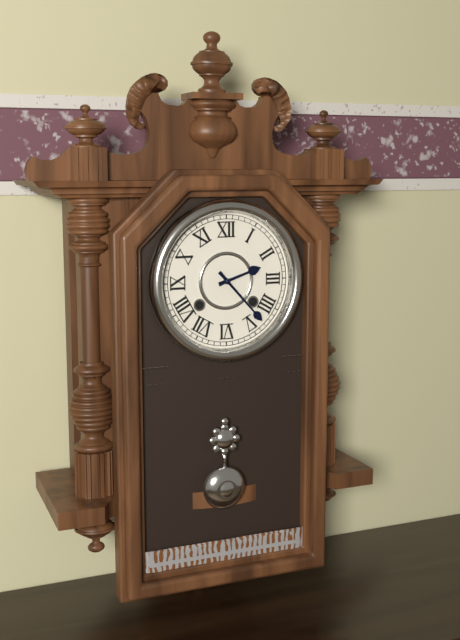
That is **2:23**
